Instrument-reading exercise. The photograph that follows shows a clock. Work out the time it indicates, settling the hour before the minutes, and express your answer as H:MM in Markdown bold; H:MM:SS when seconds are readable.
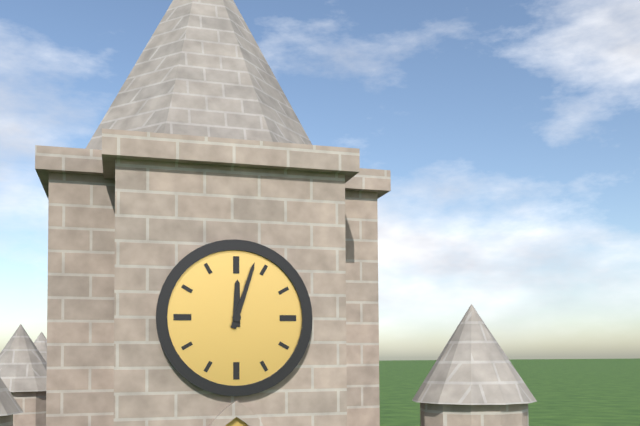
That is **12:03**
